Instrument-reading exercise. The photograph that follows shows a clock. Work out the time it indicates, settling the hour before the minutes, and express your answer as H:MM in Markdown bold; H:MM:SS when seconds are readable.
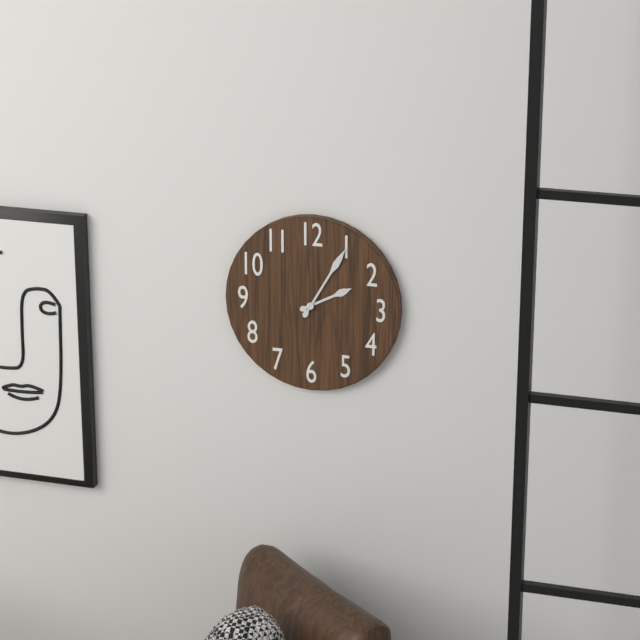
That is **2:05**
